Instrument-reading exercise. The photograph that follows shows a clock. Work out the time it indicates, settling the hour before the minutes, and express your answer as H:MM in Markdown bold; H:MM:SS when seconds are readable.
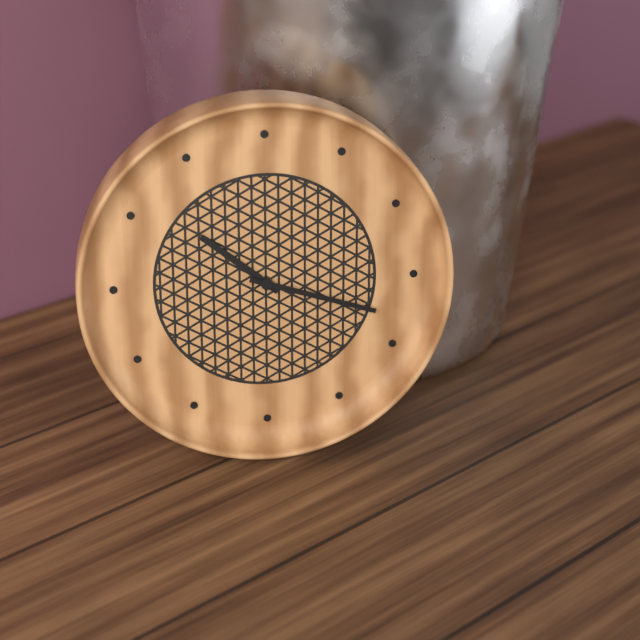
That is **10:18**
